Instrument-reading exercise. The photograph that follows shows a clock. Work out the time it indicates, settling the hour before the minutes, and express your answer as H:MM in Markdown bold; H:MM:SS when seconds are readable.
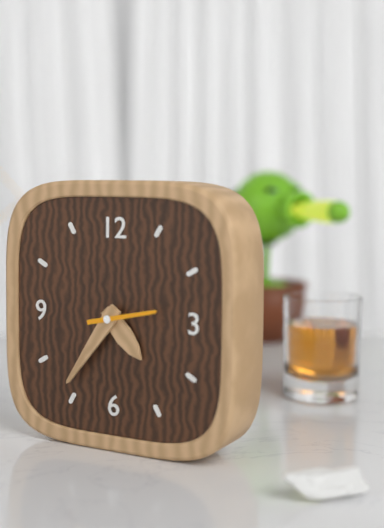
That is **4:36**
